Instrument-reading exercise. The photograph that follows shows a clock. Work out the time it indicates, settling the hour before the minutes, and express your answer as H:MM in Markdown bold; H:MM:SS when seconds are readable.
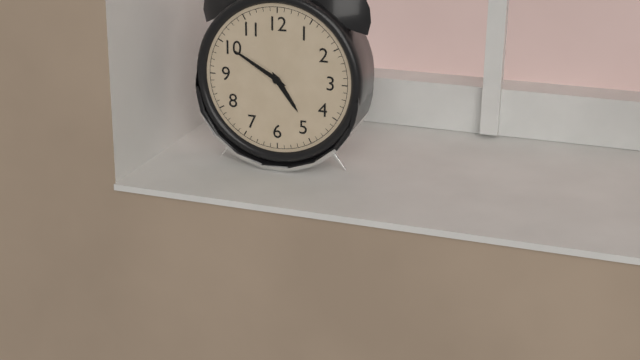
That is **4:50**
